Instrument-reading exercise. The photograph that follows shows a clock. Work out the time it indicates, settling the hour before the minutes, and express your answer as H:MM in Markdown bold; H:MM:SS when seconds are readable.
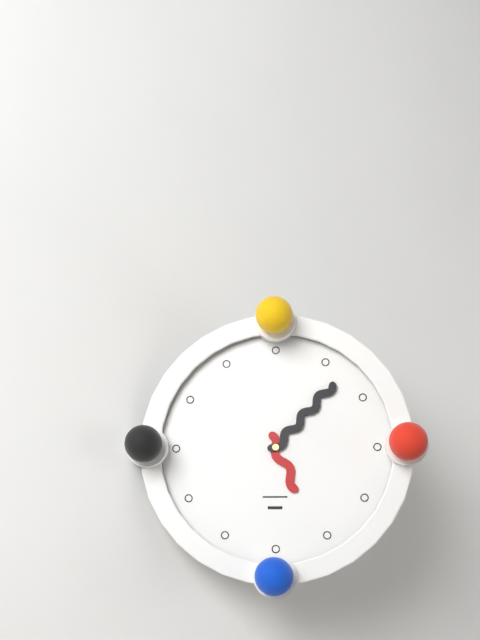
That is **5:07**
